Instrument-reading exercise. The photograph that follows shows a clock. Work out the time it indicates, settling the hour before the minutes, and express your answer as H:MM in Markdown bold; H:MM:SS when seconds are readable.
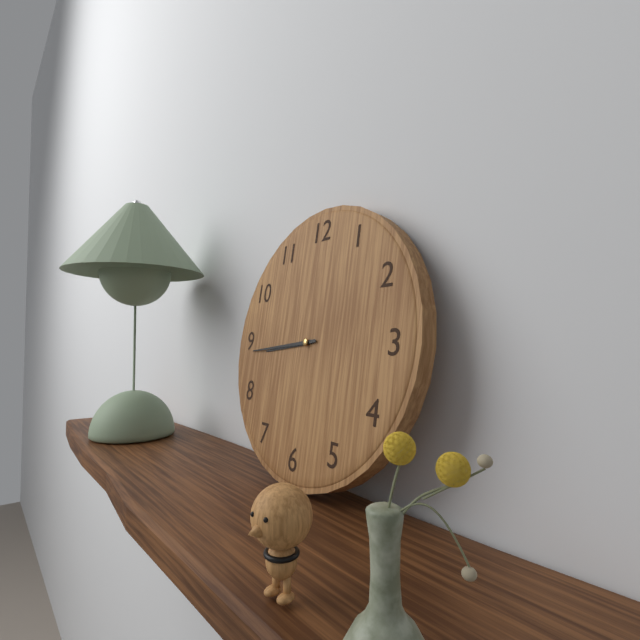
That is **8:44**
